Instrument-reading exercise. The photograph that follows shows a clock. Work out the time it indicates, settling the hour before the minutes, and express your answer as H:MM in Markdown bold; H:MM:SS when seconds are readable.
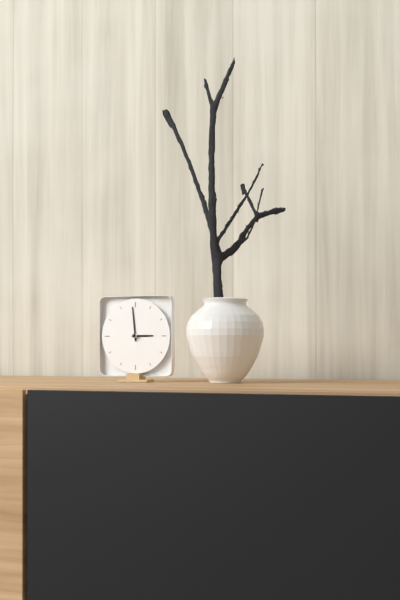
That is **2:59**
